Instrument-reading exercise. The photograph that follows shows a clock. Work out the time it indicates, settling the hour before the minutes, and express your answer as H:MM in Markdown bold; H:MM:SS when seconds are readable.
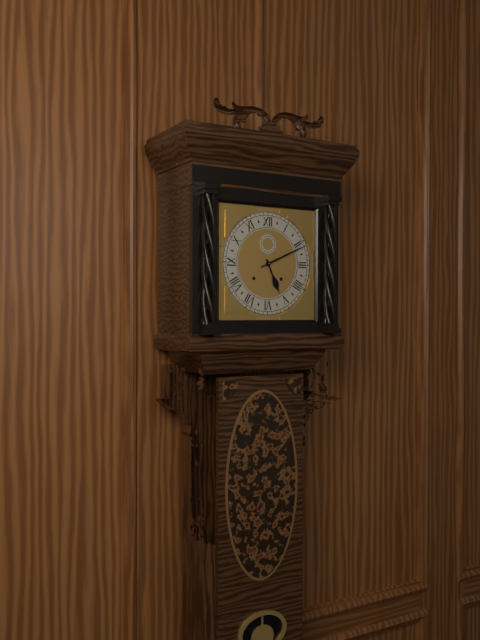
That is **5:11**
